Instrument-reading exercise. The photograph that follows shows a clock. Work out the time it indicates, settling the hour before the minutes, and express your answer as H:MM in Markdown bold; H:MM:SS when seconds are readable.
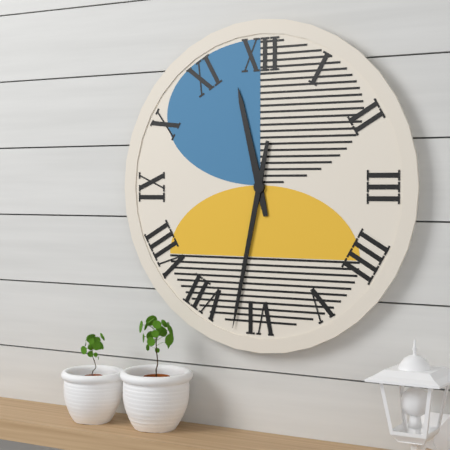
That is **11:32**
